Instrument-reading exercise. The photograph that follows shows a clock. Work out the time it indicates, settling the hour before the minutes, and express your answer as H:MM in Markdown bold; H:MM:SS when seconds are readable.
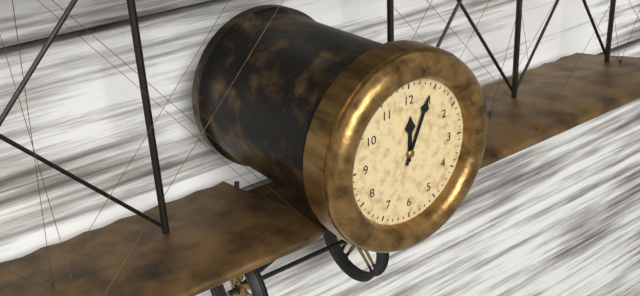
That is **12:04**
